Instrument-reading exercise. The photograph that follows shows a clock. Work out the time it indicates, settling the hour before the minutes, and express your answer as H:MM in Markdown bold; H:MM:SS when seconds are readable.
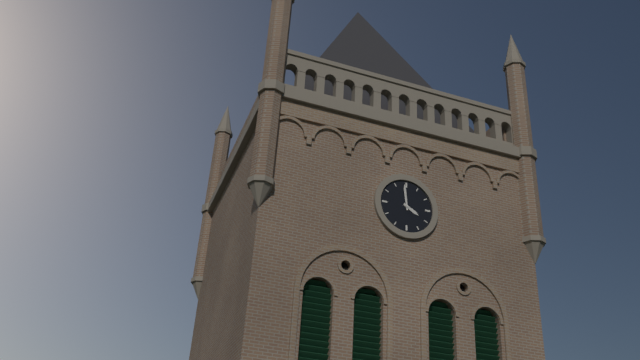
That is **3:59**
